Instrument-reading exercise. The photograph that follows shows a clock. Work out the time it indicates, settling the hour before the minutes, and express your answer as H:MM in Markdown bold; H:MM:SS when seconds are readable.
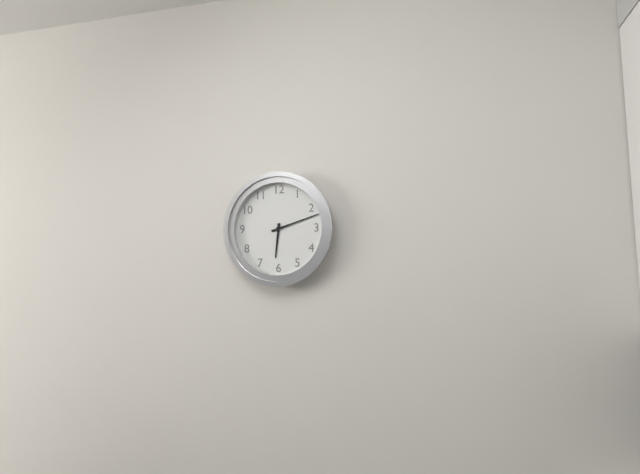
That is **6:12**
